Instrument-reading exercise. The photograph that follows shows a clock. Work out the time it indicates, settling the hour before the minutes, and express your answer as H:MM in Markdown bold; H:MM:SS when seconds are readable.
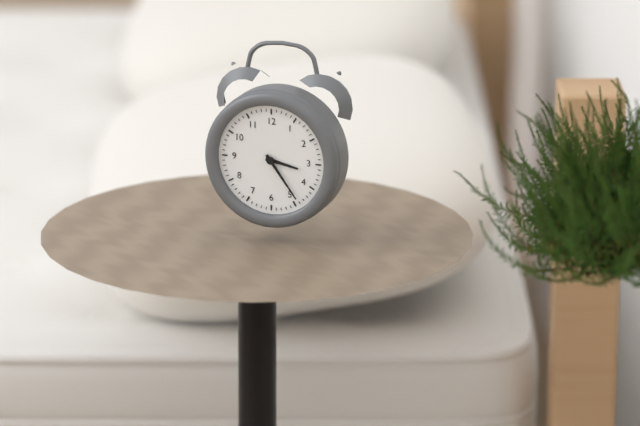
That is **3:24**
